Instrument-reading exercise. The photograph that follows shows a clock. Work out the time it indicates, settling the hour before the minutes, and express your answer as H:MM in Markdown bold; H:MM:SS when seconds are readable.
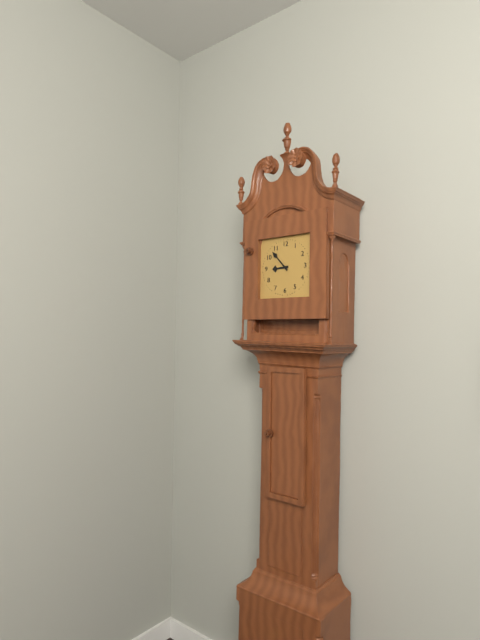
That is **8:53**
